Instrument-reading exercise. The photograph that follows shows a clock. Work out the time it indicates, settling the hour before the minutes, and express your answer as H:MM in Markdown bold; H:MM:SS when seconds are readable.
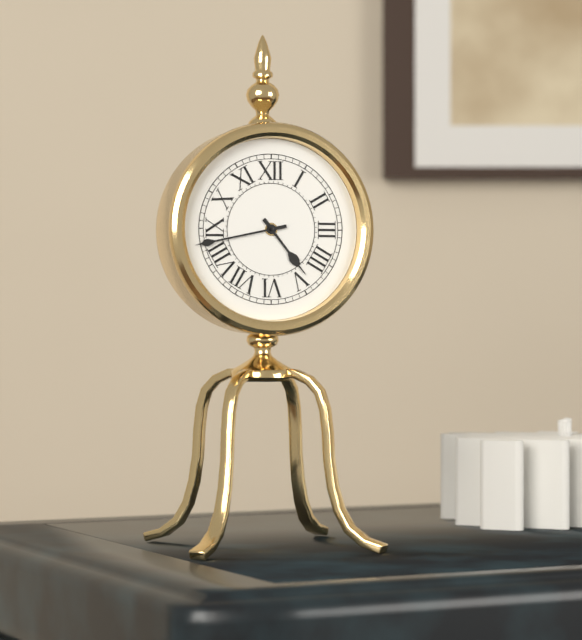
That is **4:43**
